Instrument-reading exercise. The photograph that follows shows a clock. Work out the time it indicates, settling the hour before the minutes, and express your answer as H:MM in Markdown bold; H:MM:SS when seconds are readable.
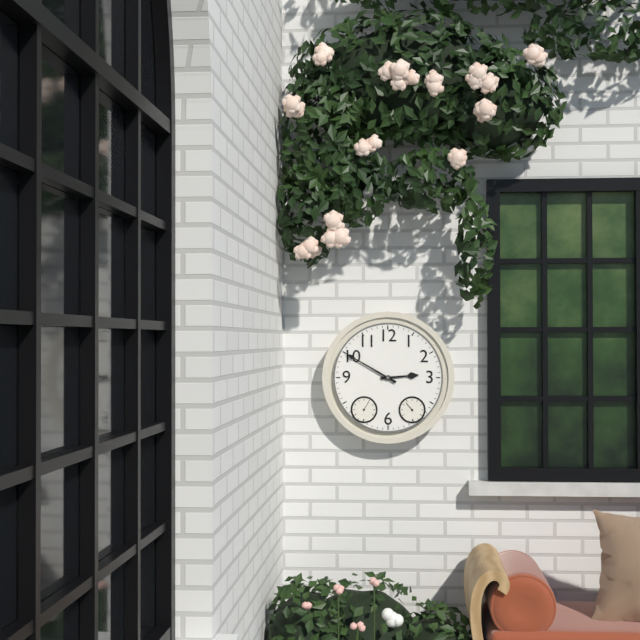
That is **2:50**
